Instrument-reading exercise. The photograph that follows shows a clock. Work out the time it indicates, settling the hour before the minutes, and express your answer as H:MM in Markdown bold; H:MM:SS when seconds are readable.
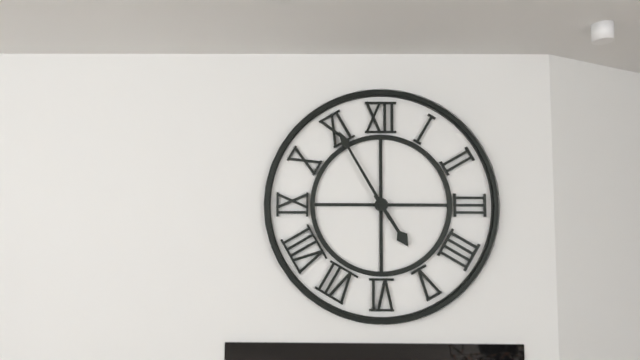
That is **4:55**
